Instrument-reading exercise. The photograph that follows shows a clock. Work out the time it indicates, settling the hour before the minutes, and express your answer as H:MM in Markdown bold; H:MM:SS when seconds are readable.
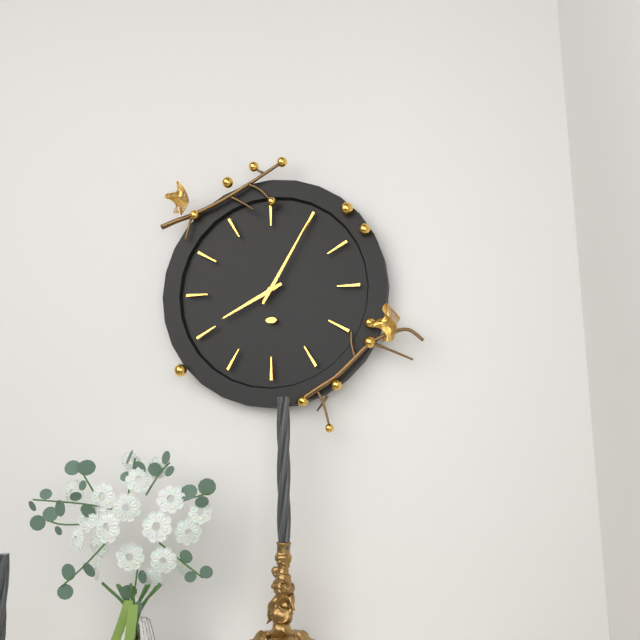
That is **8:05**
